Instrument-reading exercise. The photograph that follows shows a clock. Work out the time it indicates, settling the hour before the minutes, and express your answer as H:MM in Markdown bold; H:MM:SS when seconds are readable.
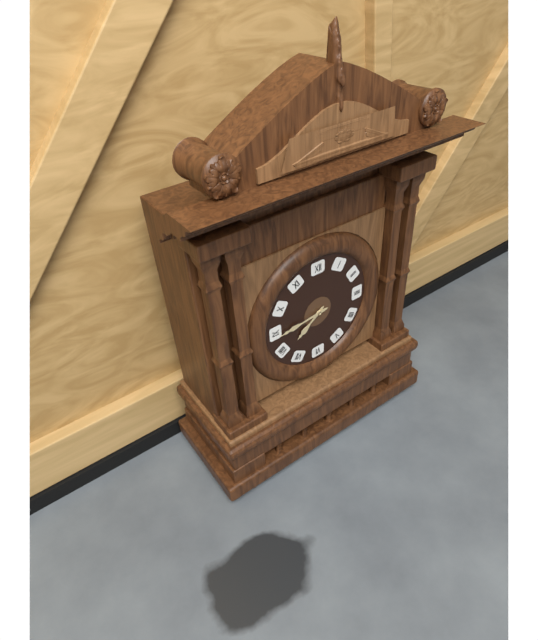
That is **7:44**
